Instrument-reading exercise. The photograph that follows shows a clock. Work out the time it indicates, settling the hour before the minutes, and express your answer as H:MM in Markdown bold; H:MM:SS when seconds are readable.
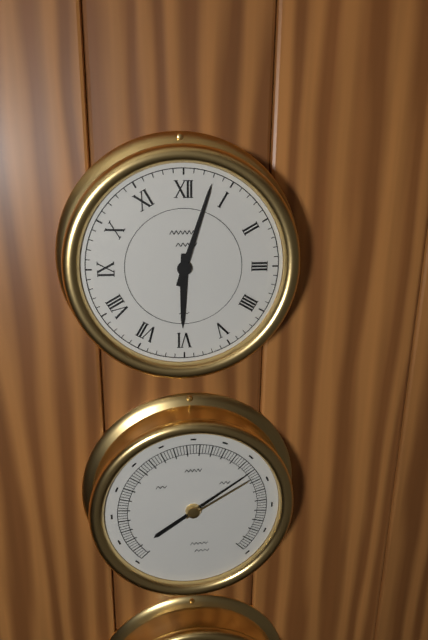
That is **6:03**
